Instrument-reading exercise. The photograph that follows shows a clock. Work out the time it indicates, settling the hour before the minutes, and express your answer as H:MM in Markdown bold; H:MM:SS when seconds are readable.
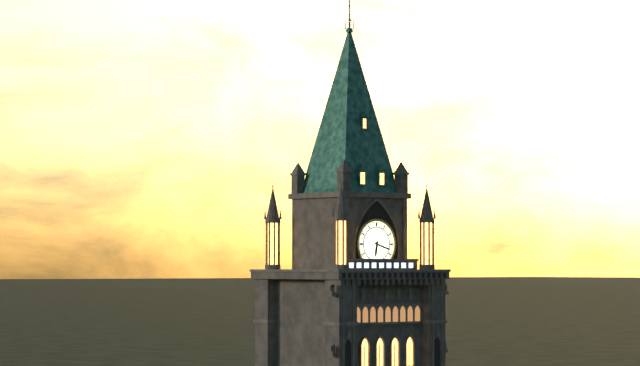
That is **6:18**
